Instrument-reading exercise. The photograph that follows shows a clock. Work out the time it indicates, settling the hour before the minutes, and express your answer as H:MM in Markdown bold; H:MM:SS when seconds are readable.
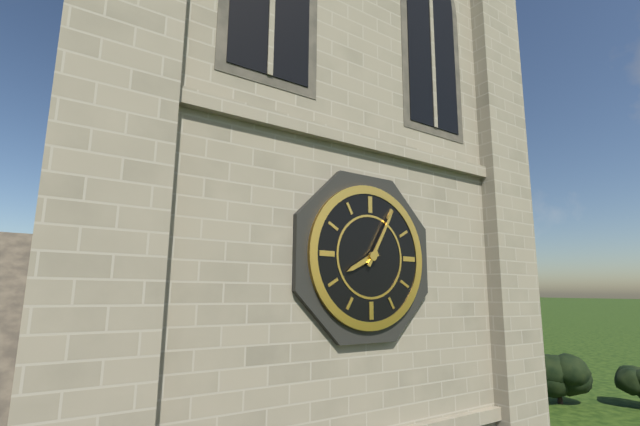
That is **8:05**
